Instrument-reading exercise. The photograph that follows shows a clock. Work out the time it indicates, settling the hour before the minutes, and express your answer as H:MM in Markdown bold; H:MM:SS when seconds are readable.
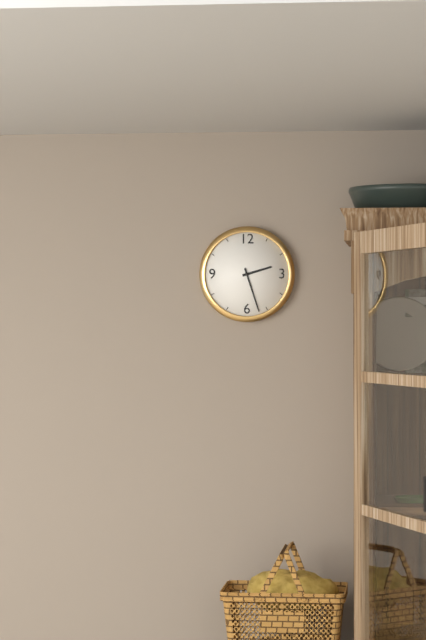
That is **2:27**
